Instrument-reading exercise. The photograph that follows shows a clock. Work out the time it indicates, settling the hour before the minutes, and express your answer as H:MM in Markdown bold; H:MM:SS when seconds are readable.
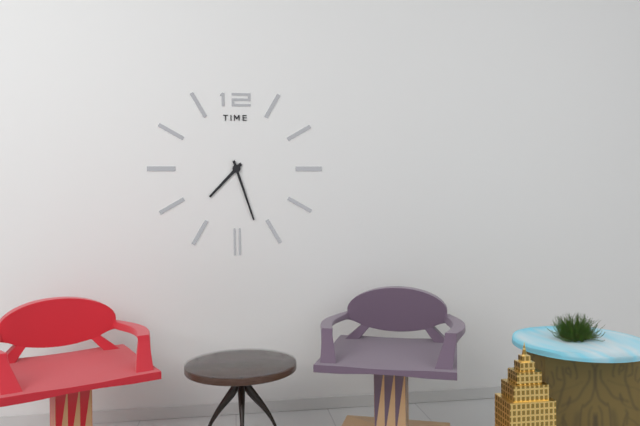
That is **7:27**
